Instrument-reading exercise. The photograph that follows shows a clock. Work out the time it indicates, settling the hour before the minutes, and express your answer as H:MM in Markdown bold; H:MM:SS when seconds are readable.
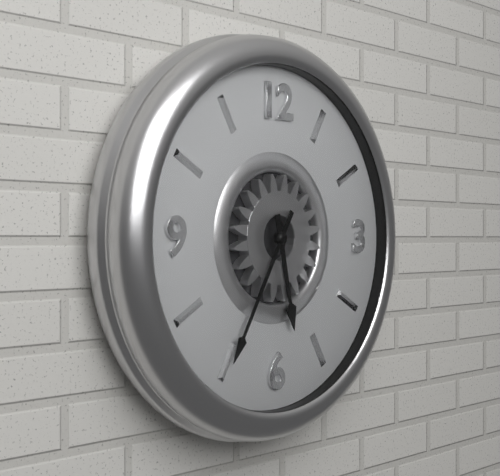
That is **5:35**
